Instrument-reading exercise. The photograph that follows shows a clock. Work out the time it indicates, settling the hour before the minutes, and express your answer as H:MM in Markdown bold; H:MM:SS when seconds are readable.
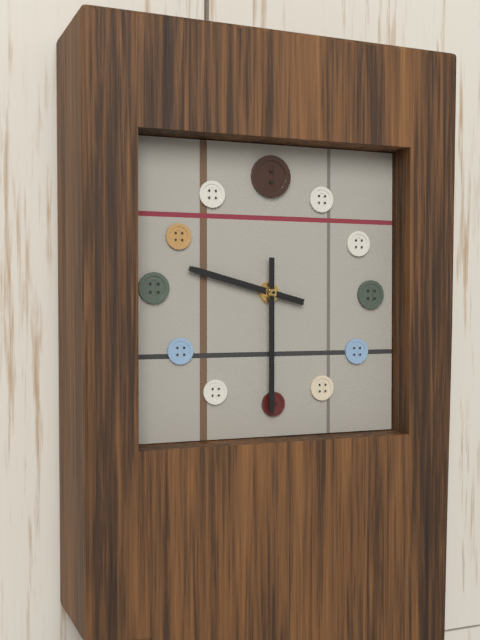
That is **9:30**
